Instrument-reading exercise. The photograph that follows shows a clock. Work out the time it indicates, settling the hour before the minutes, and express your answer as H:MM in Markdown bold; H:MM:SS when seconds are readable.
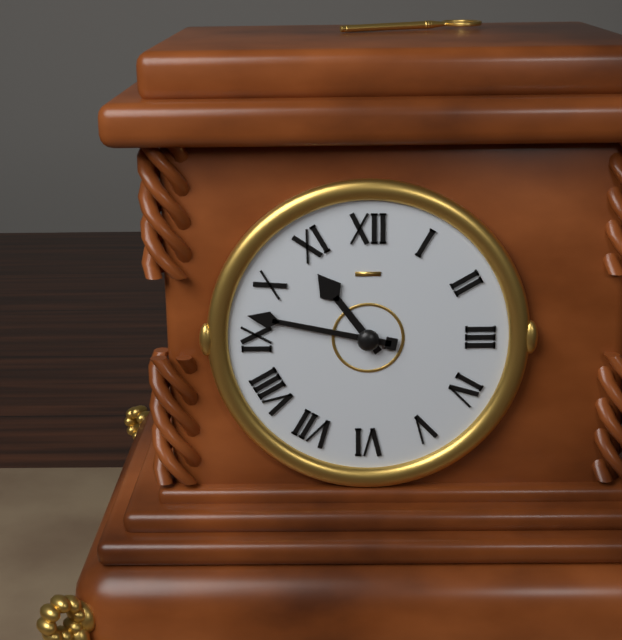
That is **10:47**
